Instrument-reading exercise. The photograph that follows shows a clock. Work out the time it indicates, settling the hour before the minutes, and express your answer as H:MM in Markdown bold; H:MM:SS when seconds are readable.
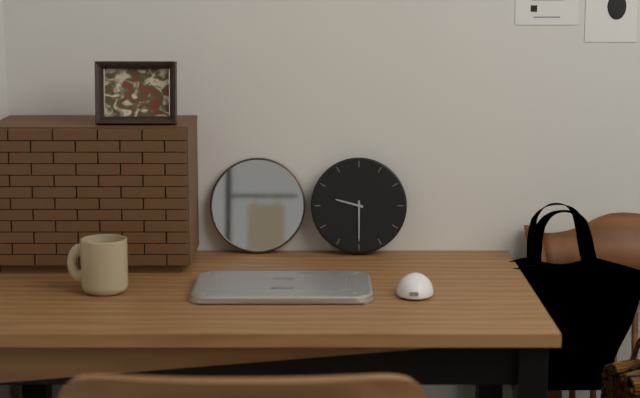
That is **9:30**
